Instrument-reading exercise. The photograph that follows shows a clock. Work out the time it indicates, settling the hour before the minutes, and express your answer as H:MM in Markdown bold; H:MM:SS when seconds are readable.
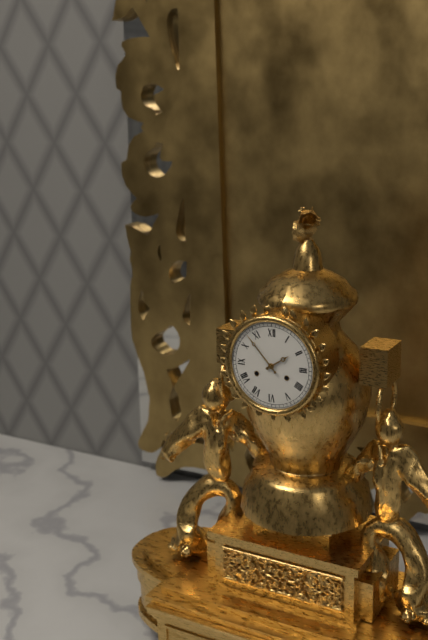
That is **1:53**
